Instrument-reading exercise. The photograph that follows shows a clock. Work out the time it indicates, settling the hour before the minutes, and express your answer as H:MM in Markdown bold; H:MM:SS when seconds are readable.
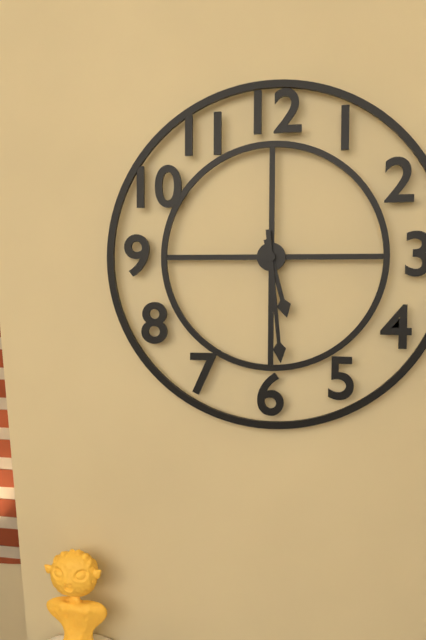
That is **5:29**
